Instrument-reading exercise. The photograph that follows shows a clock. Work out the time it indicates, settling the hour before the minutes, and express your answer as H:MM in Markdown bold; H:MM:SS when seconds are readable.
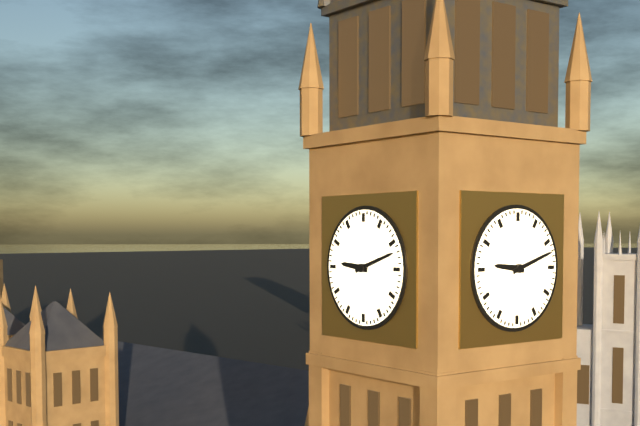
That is **9:12**
